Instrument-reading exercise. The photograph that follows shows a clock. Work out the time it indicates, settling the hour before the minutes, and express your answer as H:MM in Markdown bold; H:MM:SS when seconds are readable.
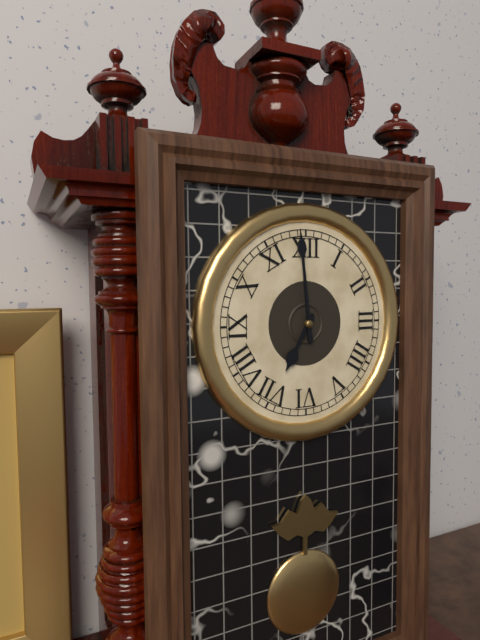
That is **6:59**
